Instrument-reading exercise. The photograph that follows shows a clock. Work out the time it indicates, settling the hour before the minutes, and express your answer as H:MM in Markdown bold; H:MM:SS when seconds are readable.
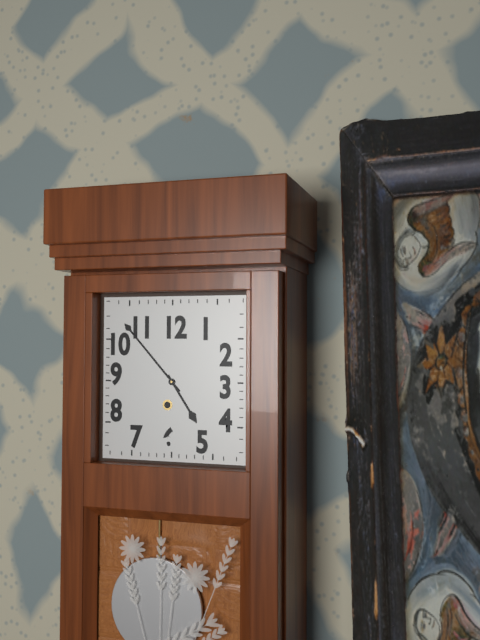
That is **4:53**
